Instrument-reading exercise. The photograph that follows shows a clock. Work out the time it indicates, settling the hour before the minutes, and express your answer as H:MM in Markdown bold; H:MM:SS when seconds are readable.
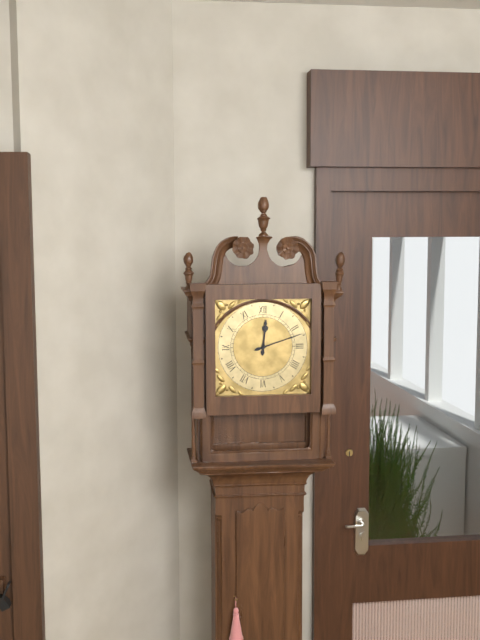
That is **12:12**
